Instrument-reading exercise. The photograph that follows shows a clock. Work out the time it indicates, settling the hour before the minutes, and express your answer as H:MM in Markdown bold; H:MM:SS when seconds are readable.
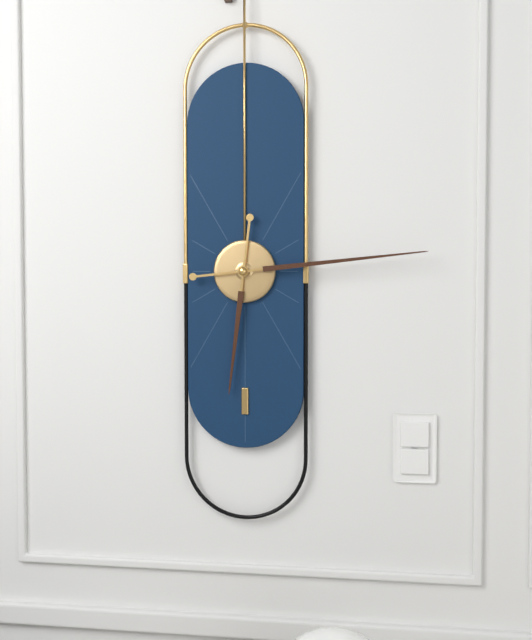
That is **6:14**
